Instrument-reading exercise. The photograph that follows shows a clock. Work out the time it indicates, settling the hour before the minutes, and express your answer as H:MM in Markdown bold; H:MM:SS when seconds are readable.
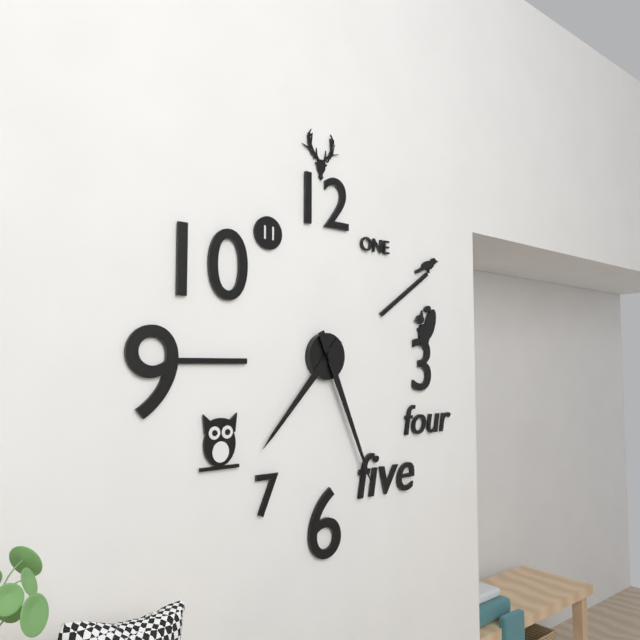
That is **7:26**
